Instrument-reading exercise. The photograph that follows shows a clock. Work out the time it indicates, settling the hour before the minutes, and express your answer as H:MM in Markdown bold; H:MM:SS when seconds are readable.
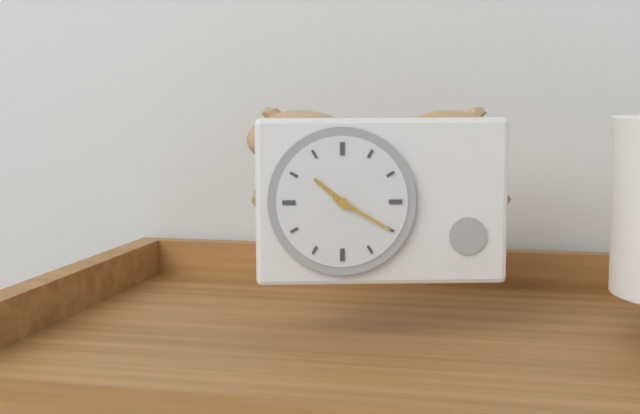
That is **10:20**
